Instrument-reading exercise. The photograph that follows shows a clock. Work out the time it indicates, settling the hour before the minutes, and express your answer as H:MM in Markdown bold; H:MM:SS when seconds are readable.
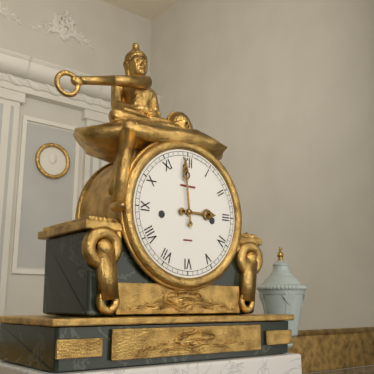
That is **2:59**
